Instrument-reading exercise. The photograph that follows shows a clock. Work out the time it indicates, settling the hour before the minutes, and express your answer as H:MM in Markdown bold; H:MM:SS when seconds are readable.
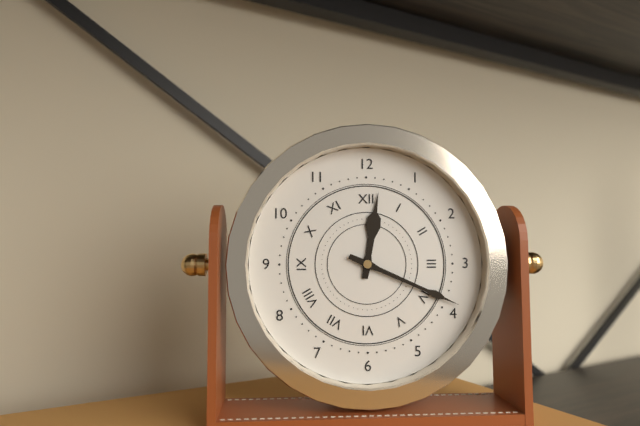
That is **12:19**
